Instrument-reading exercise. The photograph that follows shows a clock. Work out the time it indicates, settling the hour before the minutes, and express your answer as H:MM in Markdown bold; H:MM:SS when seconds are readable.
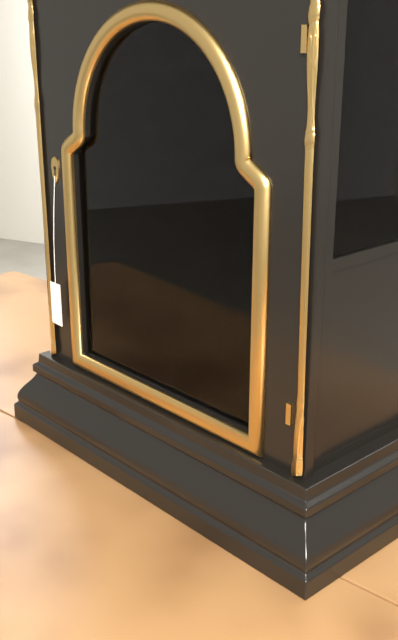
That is **9:32**
